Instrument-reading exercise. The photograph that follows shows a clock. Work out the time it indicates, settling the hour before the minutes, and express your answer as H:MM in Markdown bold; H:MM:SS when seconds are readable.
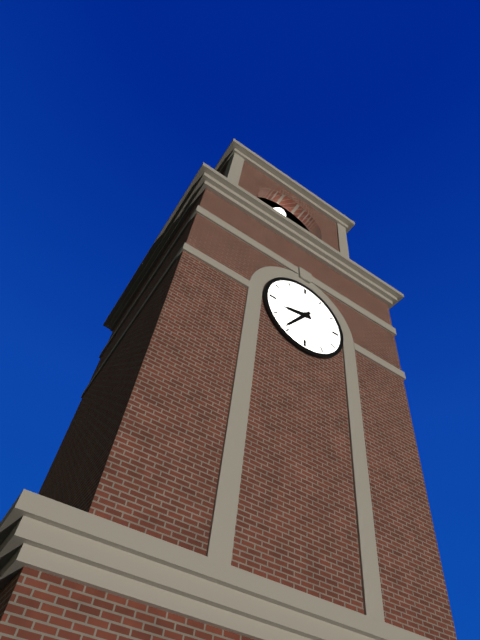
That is **8:36**
